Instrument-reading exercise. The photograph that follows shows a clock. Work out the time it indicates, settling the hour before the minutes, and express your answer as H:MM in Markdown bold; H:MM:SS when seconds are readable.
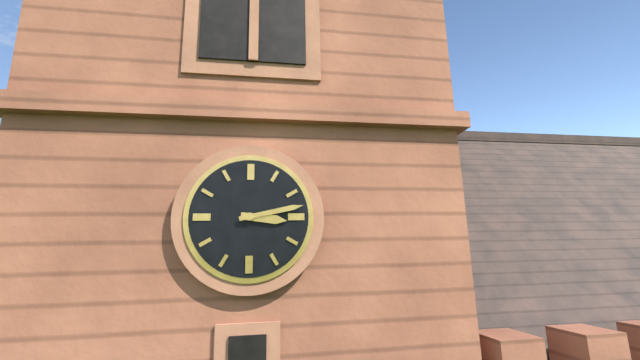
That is **3:13**
